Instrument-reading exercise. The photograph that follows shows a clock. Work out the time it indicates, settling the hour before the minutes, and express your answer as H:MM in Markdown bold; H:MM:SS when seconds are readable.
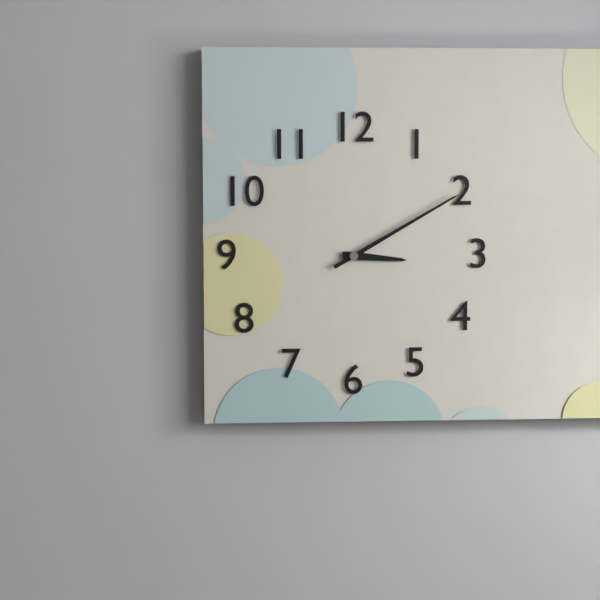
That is **3:10**
